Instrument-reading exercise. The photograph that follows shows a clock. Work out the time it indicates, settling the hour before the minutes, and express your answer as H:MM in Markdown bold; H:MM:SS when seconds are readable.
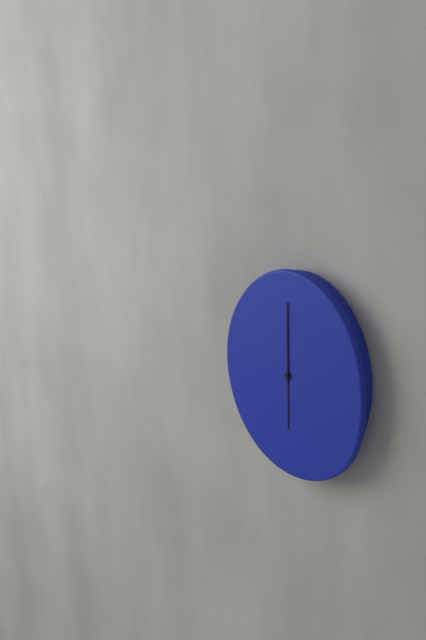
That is **6:00**
